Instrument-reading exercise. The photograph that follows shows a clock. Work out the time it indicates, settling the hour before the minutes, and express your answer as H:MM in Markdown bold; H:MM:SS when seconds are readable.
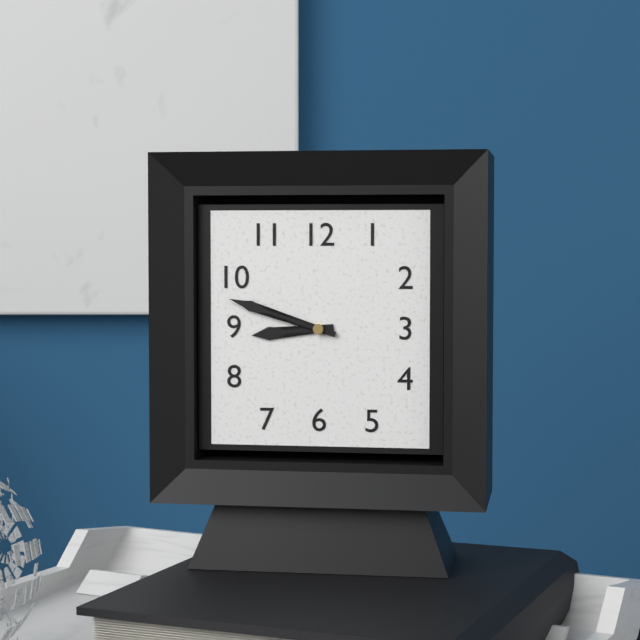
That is **8:48**
